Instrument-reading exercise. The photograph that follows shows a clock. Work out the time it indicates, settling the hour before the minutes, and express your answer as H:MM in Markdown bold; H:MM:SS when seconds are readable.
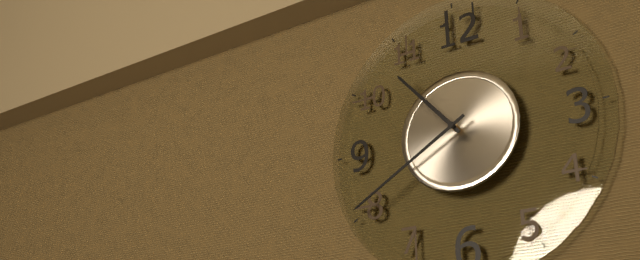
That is **10:40**
